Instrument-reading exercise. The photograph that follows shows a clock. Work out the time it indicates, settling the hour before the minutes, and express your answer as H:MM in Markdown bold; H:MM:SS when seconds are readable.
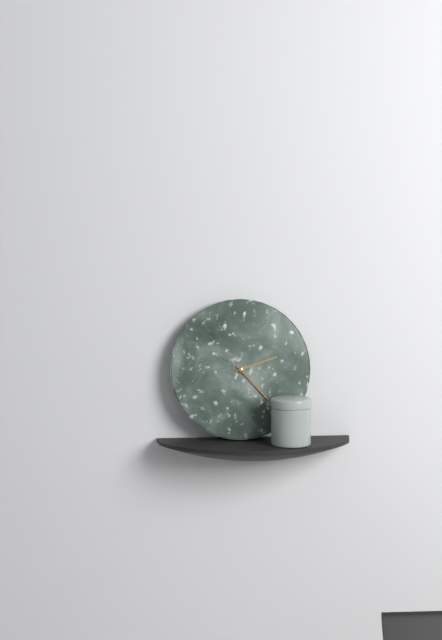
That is **2:23**
